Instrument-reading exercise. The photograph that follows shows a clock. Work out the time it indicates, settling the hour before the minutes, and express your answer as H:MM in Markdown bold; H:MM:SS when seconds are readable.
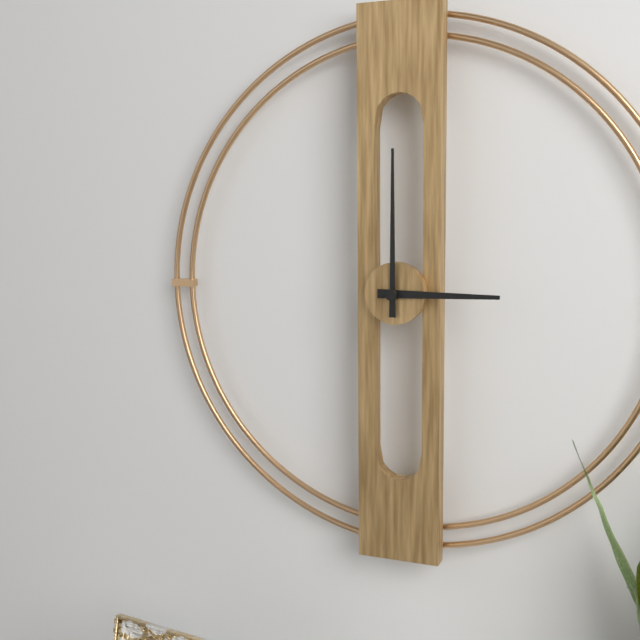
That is **3:00**
